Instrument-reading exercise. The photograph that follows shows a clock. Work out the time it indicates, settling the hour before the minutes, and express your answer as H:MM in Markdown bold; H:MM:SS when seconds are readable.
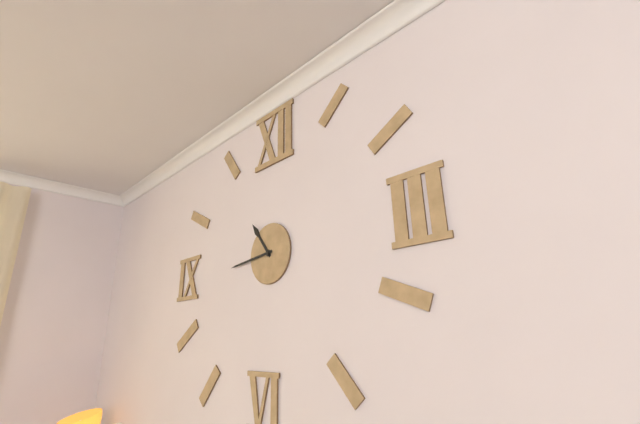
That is **10:44**
